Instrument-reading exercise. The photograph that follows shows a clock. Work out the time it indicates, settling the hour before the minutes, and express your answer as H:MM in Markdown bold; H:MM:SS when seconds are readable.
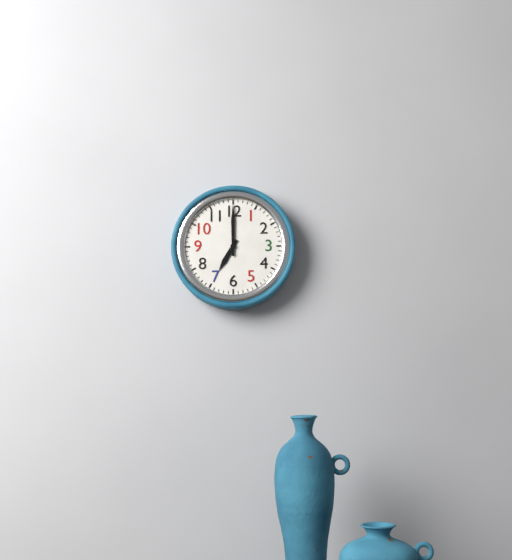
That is **7:00**
